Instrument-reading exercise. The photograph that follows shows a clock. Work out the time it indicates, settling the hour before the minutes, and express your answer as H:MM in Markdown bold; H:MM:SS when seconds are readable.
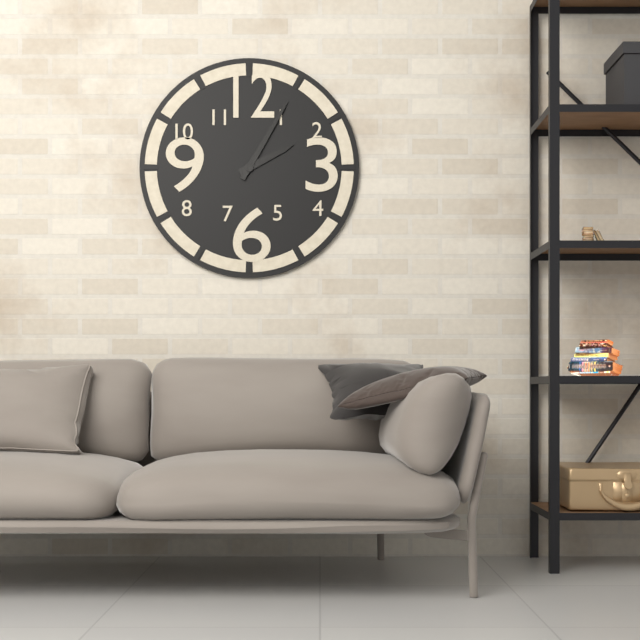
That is **2:05**
